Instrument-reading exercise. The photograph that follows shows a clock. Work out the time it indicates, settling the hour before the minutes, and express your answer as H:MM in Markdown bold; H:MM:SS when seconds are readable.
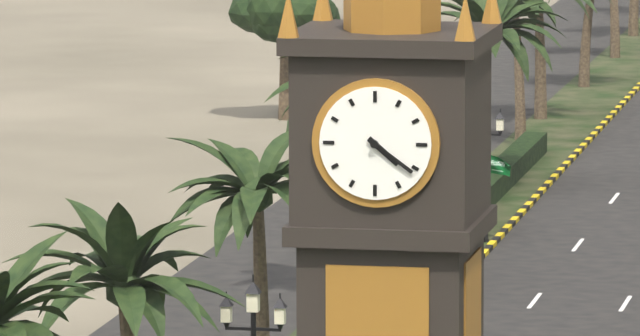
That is **4:21**
